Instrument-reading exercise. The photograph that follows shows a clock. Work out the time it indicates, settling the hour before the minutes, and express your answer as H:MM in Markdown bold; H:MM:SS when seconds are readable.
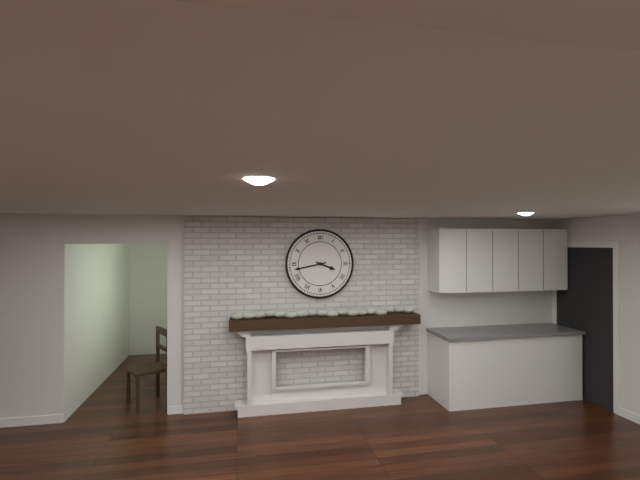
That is **3:43**
